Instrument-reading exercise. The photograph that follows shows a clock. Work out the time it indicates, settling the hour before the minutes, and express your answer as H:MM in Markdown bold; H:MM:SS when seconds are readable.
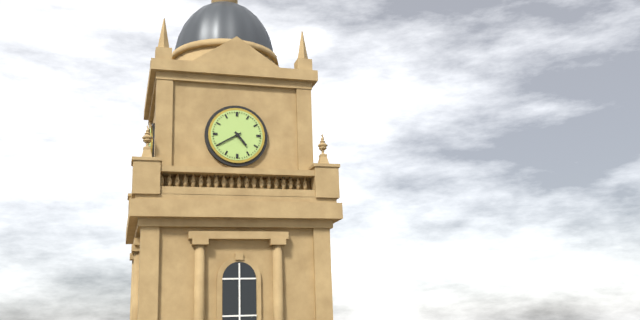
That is **4:40**
